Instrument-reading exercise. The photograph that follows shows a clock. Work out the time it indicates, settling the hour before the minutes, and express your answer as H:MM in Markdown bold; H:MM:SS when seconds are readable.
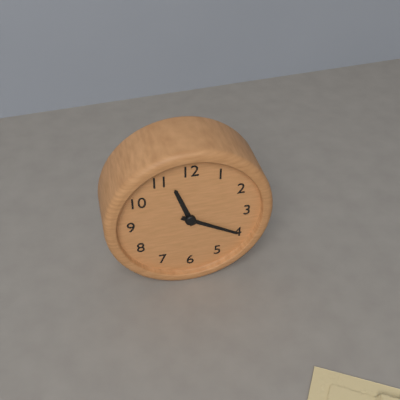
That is **11:20**
